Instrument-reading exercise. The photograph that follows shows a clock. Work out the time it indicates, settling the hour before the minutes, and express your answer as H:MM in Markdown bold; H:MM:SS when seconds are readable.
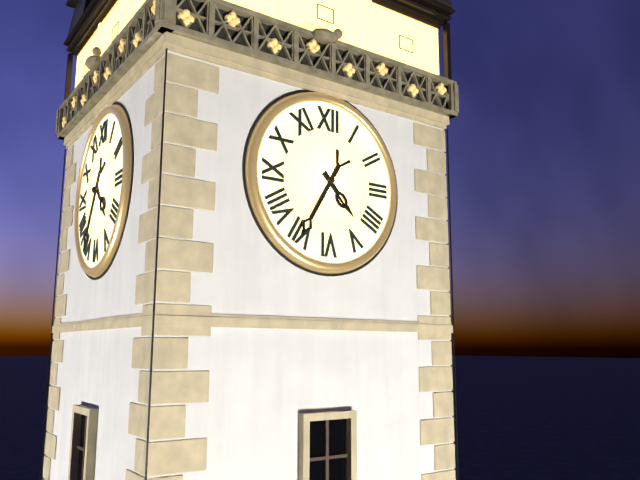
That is **4:35**
